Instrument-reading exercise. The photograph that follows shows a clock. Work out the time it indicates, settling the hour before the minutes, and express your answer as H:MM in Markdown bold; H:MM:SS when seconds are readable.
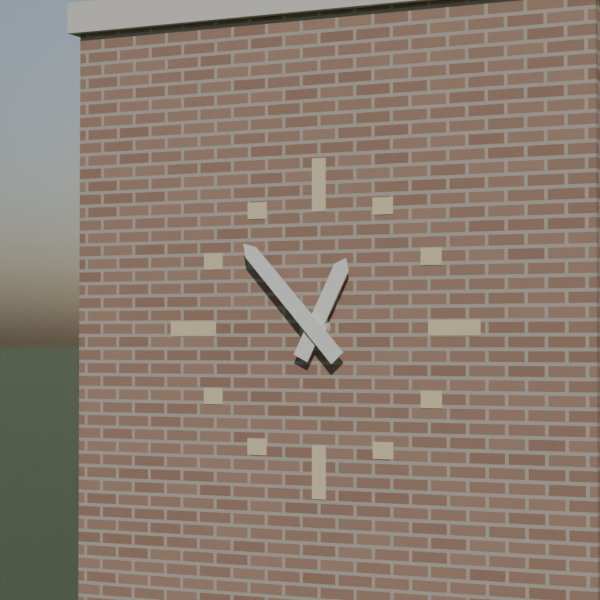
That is **12:53**
